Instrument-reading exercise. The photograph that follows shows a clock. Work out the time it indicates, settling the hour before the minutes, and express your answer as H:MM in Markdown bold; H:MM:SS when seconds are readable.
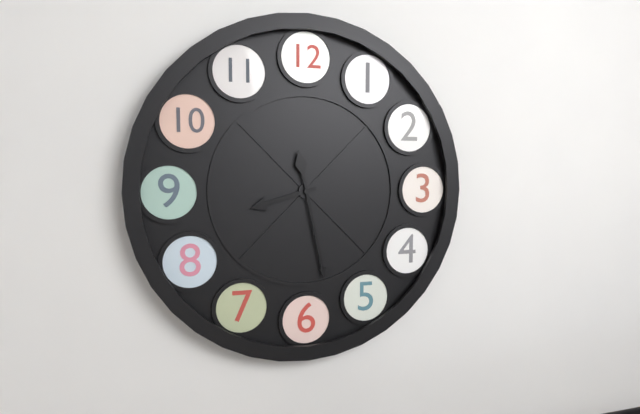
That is **8:28**
